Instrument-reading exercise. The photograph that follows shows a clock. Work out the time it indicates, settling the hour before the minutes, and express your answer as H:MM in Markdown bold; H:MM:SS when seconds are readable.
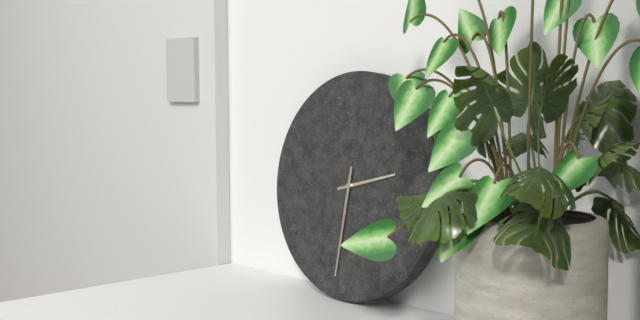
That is **2:31**
